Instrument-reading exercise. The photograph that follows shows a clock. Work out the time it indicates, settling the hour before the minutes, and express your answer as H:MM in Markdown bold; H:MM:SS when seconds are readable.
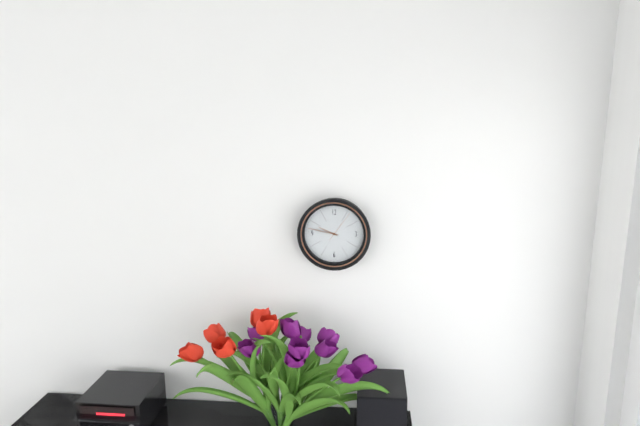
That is **9:47**
